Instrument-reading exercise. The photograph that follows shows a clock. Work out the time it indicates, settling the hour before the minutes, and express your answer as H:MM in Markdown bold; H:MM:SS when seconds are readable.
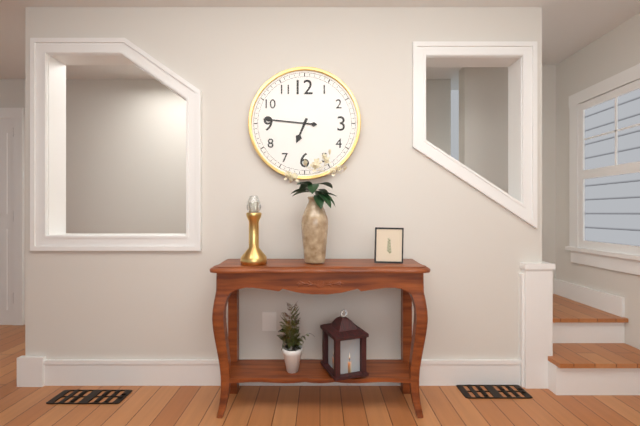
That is **6:46**
